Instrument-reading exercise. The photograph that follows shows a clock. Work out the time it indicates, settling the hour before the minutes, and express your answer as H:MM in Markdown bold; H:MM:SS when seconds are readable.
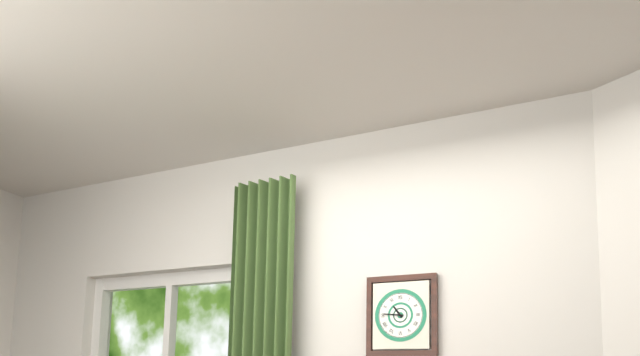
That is **10:46**
